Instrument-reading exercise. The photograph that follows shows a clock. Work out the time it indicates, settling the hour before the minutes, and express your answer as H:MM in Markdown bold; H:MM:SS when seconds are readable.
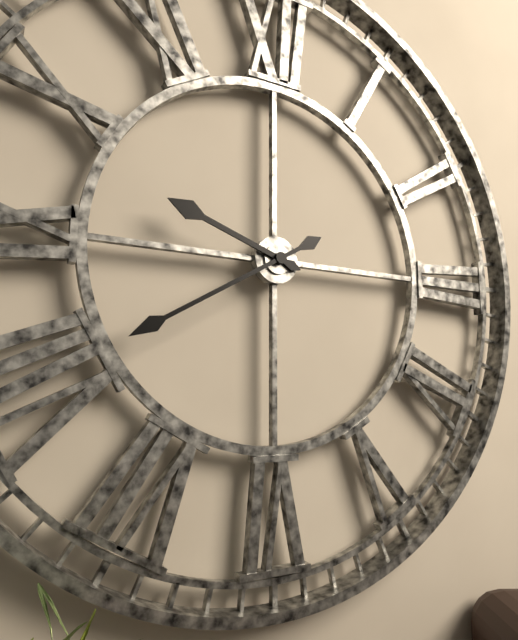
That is **9:40**
